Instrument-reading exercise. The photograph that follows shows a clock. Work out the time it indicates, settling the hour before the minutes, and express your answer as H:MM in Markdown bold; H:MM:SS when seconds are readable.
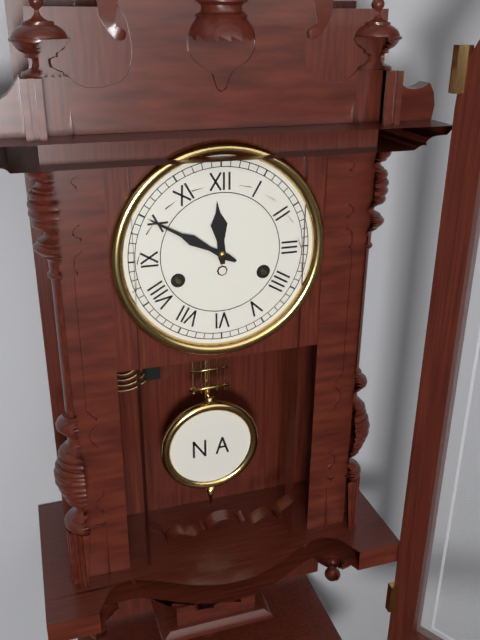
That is **11:50**
